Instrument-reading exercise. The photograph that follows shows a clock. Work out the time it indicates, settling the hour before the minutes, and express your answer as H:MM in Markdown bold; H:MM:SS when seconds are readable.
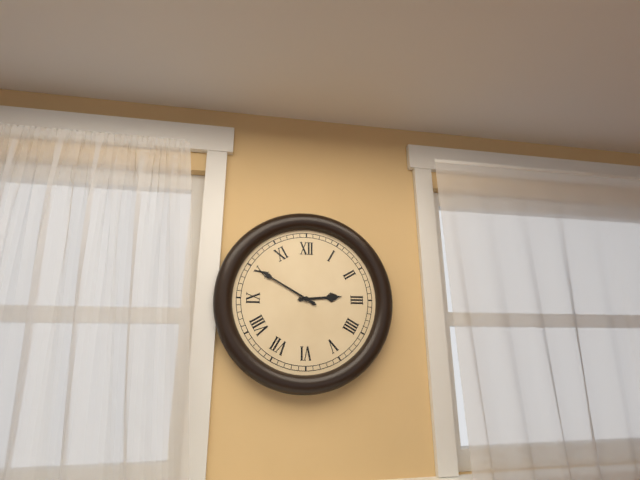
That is **2:50**
